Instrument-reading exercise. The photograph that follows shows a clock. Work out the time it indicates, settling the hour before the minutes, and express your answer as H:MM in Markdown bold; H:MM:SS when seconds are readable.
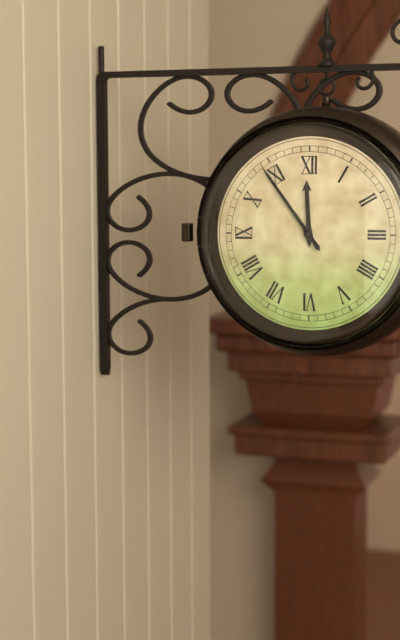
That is **11:54**
